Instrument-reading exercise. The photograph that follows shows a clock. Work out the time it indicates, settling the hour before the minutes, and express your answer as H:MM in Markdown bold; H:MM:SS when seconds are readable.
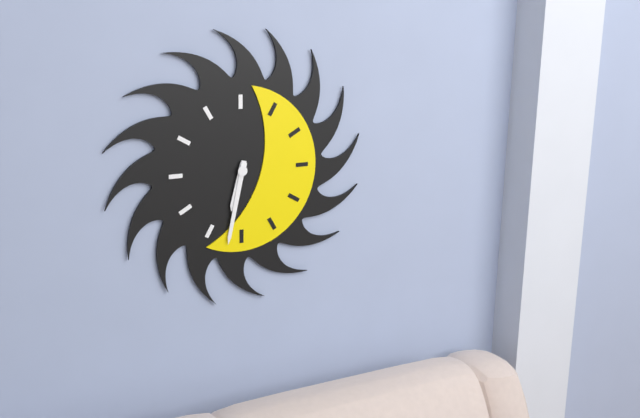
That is **6:32**
